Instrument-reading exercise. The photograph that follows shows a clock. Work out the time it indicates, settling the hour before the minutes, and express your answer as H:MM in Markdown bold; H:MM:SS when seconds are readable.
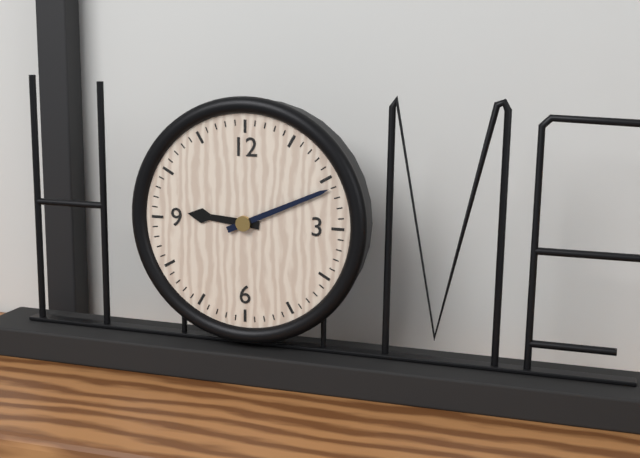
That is **9:11**
